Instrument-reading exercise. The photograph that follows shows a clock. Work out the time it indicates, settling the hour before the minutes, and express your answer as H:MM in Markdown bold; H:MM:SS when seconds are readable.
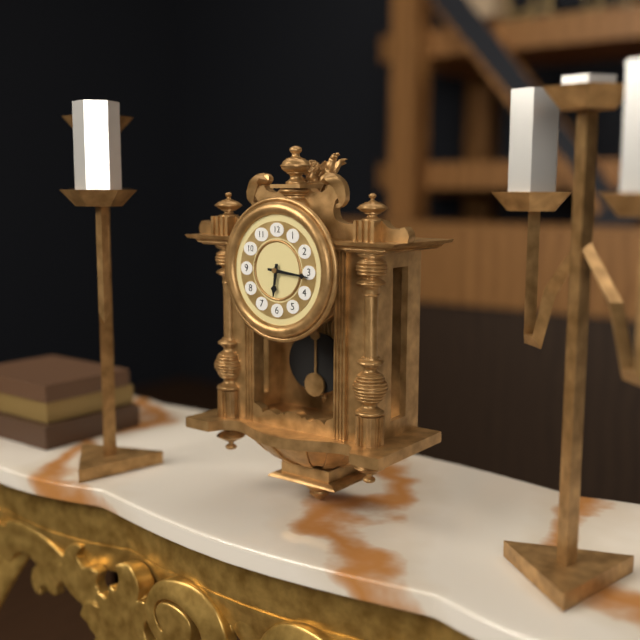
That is **6:16**
